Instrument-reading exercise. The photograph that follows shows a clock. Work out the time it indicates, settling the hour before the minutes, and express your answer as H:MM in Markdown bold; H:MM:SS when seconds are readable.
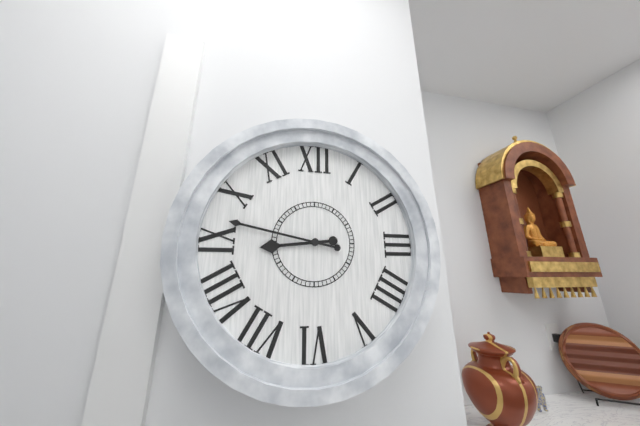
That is **8:47**
